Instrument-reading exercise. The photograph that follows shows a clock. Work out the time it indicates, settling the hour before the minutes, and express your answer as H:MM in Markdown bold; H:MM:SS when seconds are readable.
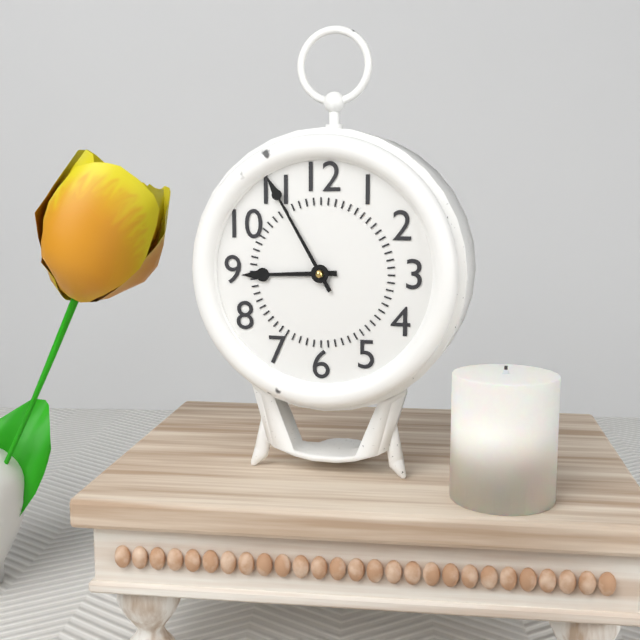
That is **8:55**
